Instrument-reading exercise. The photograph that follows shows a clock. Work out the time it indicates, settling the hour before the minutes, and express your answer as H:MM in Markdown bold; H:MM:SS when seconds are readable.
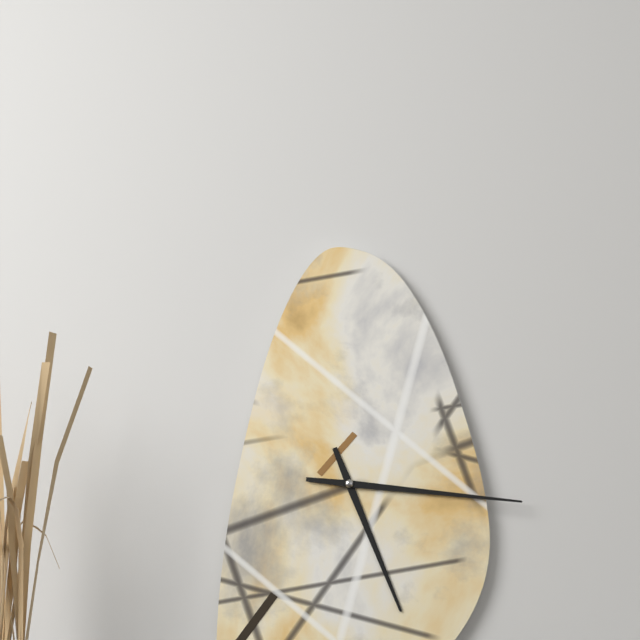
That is **5:16**
